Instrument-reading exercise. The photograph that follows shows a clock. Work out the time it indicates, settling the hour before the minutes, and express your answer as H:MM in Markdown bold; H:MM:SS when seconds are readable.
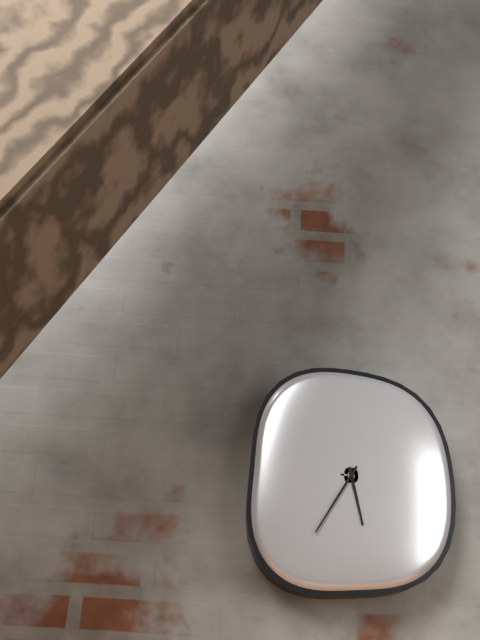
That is **5:35**
